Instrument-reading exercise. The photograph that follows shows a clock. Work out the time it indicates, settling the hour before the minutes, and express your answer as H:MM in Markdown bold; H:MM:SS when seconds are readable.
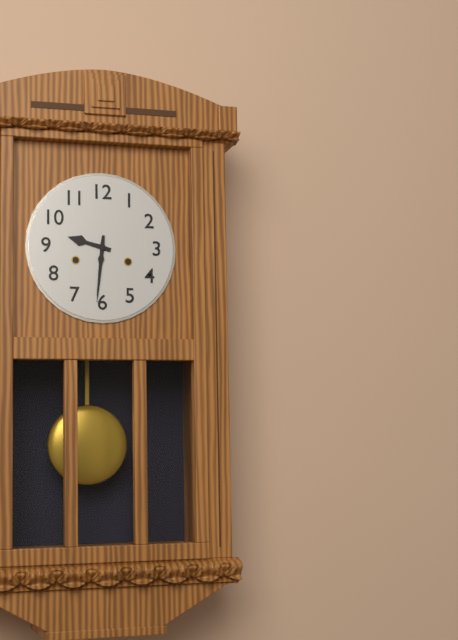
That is **9:31**
